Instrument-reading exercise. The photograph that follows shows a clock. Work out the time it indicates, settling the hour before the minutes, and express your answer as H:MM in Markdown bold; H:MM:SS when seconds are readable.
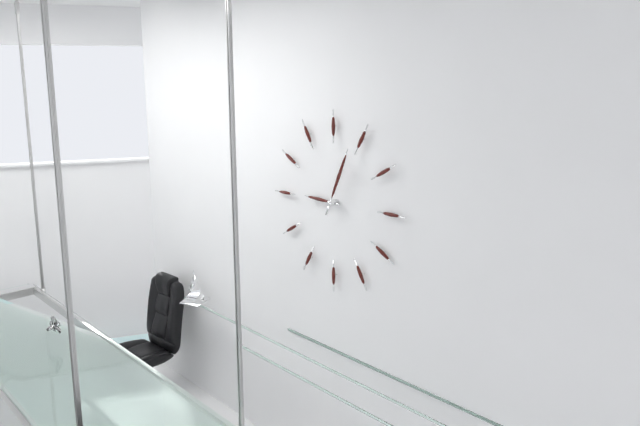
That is **9:04**
